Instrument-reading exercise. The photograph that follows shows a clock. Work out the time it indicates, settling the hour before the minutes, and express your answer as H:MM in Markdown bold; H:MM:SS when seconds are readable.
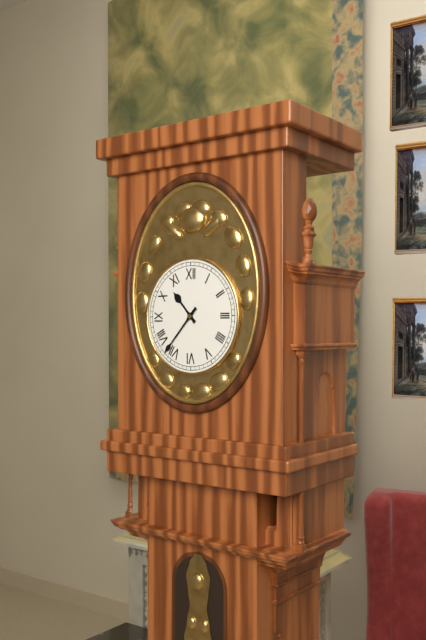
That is **10:37**
